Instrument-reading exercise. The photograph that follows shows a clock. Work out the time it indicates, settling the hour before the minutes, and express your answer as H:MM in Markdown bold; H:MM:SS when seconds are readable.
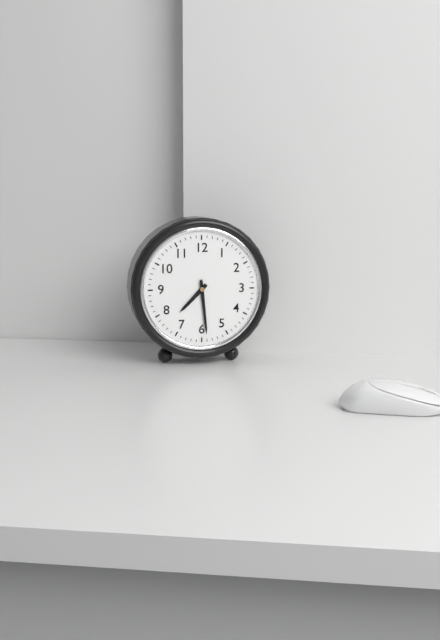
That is **7:29**
